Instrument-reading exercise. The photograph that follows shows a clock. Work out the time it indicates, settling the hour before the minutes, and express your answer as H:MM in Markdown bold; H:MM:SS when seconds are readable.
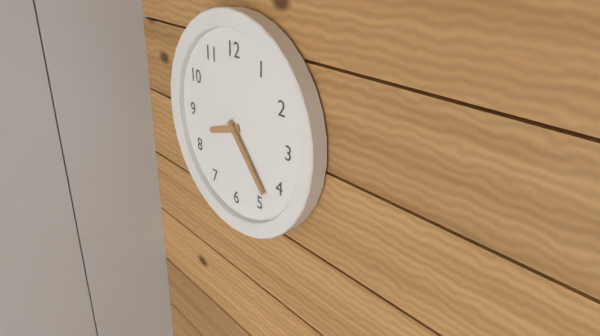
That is **8:23**
